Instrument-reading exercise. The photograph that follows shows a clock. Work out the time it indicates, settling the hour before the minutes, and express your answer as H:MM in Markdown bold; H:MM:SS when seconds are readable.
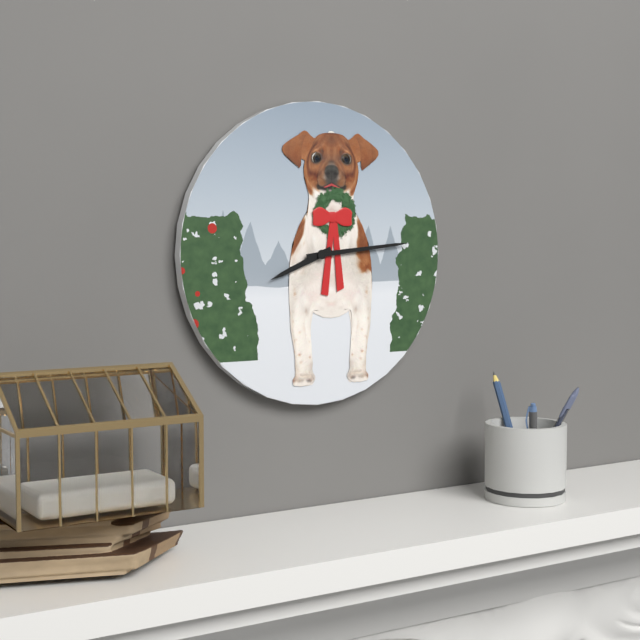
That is **8:14**
